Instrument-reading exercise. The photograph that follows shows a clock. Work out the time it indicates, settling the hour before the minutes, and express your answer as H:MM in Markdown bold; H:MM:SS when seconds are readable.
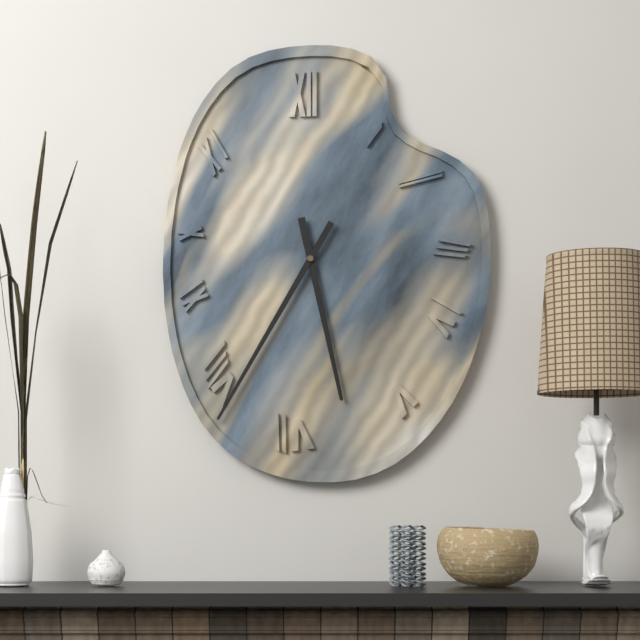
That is **5:35**
